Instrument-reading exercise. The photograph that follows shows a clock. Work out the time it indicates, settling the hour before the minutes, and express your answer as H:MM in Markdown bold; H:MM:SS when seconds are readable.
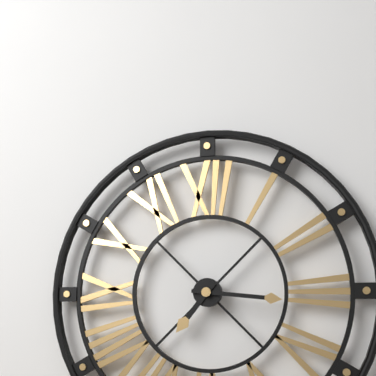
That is **7:16**
